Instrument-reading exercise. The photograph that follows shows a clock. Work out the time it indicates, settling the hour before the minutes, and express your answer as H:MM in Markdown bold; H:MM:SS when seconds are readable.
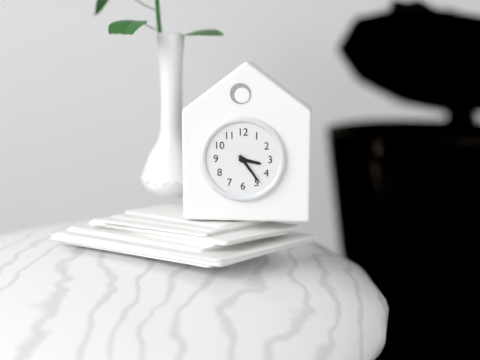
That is **3:24**
